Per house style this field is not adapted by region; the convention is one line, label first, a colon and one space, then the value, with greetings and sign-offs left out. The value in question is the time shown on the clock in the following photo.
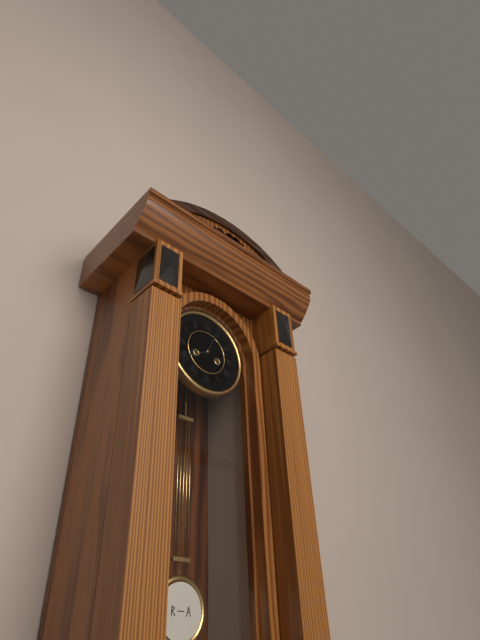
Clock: 8:04
